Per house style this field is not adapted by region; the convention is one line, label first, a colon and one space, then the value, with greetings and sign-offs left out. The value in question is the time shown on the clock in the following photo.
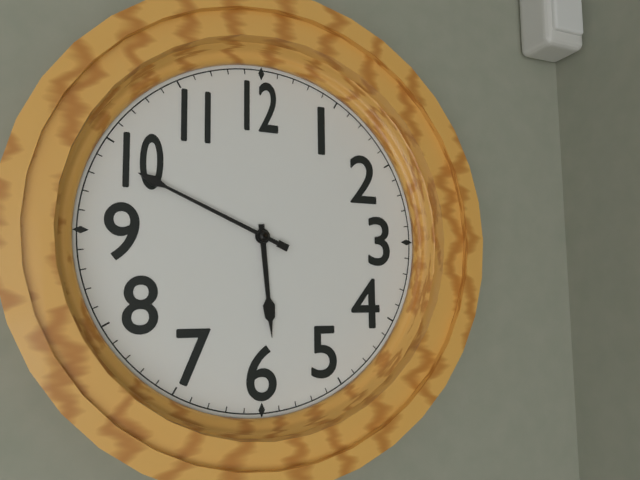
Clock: 5:49
